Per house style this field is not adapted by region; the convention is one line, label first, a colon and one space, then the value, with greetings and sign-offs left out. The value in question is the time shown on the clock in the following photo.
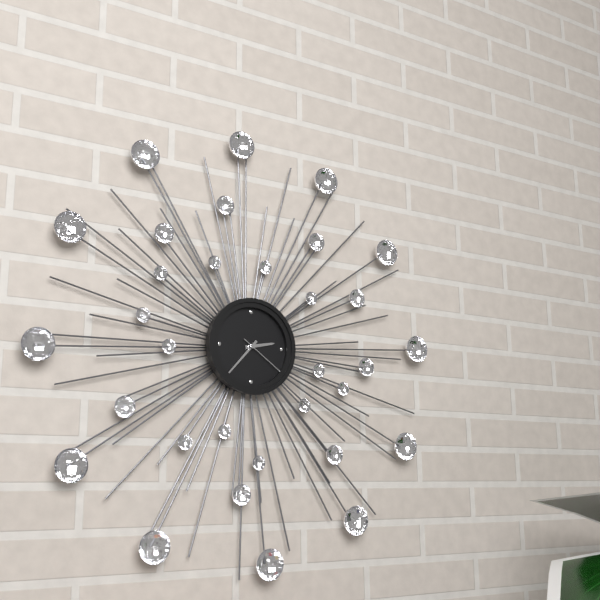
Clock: 2:37:21
